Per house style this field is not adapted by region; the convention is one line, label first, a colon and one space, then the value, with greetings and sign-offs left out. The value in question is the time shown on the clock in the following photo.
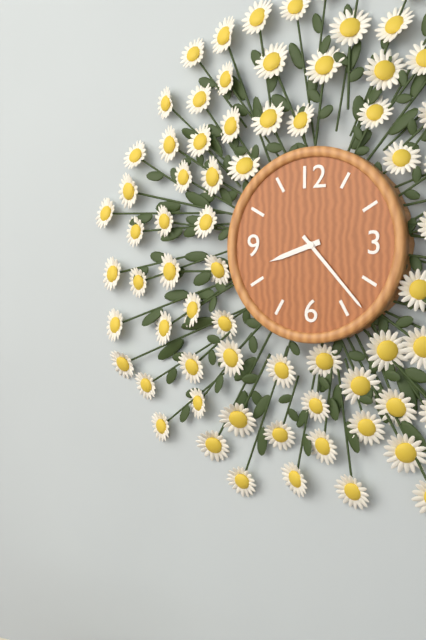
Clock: 8:23
